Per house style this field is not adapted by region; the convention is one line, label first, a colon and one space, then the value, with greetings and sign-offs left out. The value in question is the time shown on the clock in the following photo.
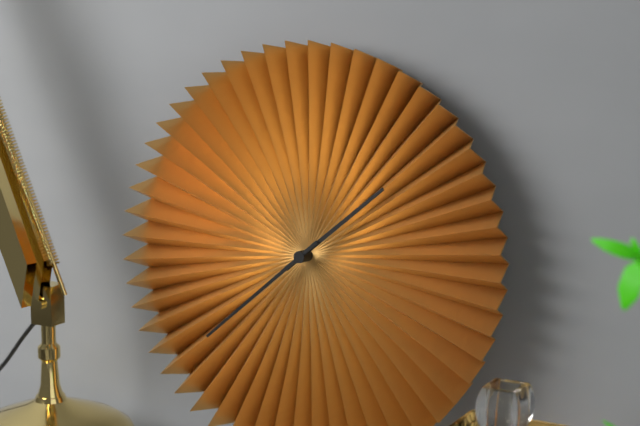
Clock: 1:38
